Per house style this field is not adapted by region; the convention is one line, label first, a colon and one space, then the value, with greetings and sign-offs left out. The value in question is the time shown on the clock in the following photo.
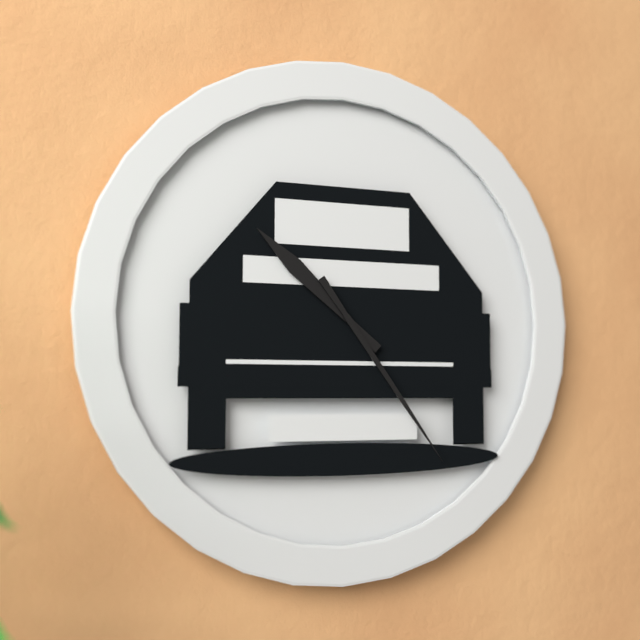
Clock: 10:24
